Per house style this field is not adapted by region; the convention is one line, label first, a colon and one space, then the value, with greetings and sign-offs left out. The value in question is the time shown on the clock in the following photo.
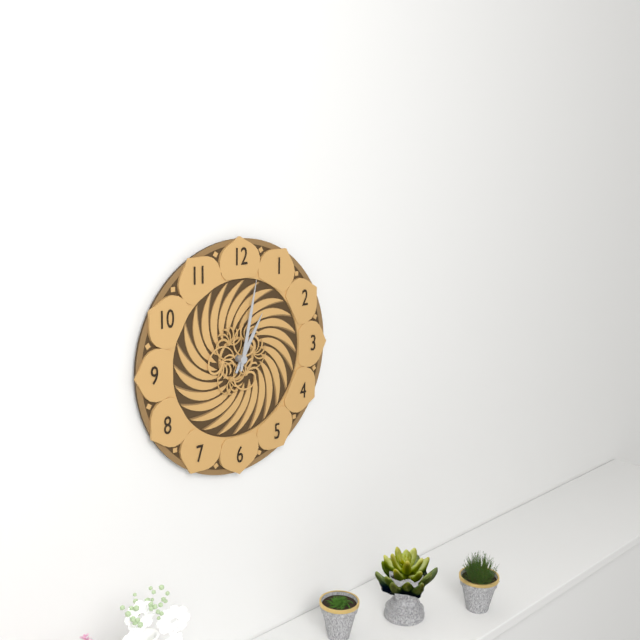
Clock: 1:02
